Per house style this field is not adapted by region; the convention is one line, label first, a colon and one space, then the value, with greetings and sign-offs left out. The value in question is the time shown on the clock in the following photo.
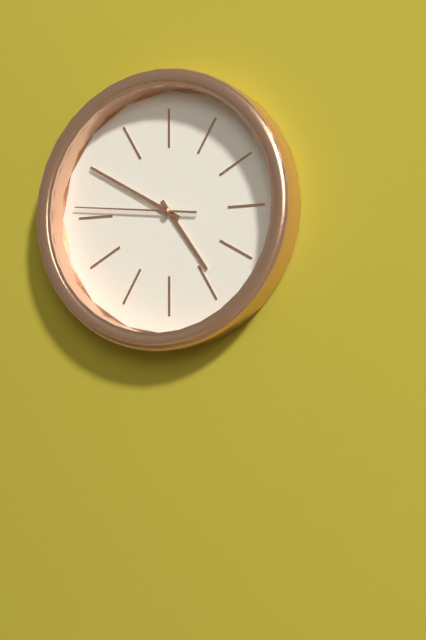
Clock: 4:50:46
